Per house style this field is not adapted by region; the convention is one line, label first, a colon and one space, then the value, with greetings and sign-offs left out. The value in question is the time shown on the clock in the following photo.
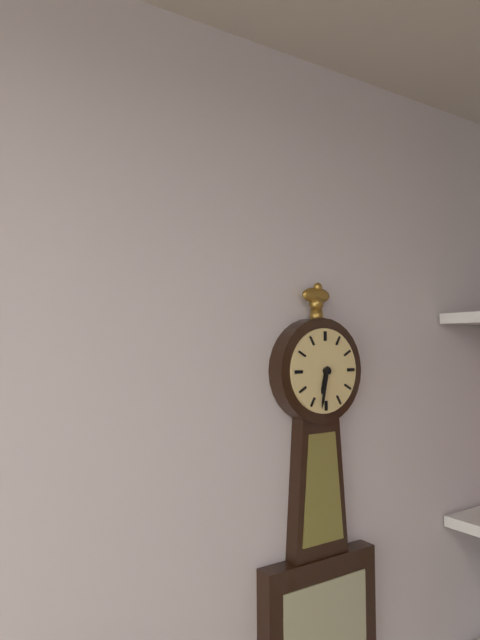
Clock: 6:32
